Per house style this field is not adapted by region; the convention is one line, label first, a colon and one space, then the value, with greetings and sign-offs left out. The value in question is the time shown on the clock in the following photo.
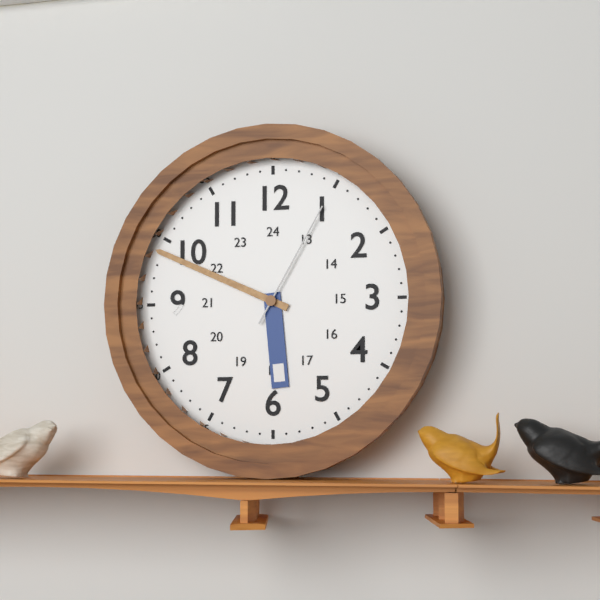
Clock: 5:49:05
